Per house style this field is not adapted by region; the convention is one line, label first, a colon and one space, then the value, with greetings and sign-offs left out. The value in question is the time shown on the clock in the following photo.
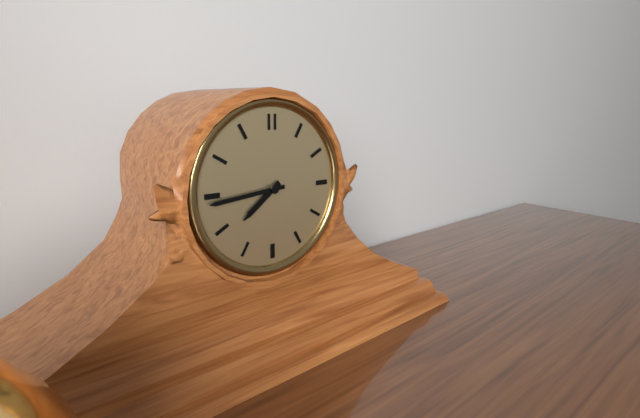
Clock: 7:44
